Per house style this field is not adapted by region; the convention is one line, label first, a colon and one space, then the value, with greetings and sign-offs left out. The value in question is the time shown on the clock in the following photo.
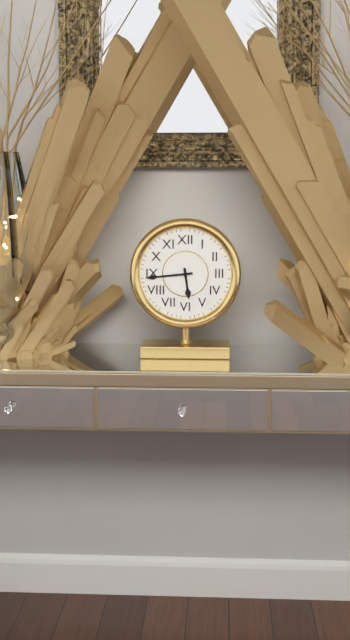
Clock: 5:44
